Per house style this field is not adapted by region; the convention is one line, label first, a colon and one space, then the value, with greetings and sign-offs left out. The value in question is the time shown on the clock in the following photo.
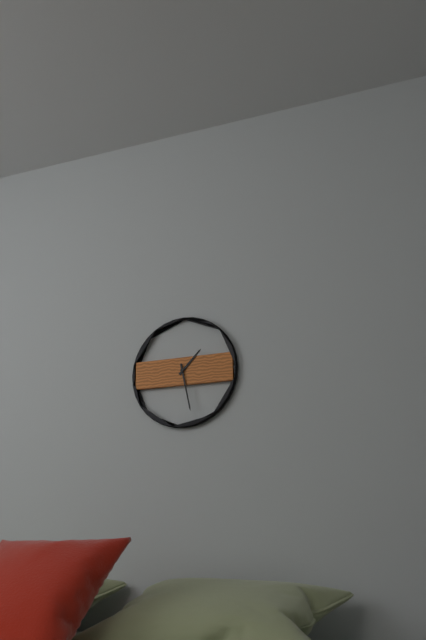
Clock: 1:28
